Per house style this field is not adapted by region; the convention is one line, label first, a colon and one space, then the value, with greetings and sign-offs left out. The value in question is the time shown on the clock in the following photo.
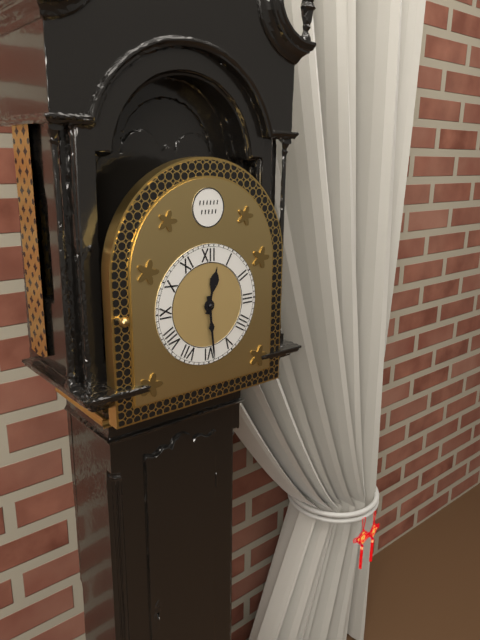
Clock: 12:29
